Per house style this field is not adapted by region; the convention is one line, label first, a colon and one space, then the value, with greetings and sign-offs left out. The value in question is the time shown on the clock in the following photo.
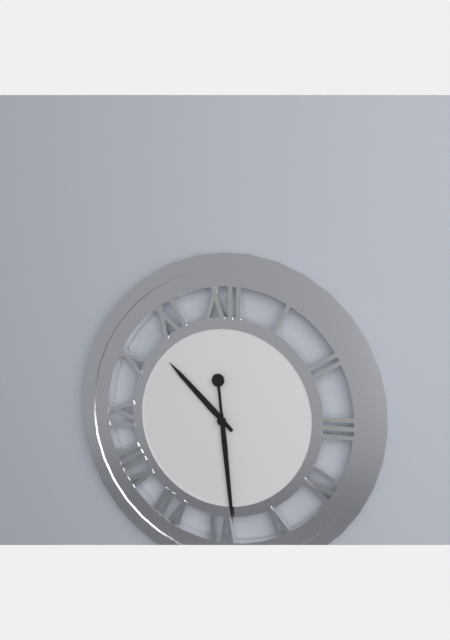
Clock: 10:29
